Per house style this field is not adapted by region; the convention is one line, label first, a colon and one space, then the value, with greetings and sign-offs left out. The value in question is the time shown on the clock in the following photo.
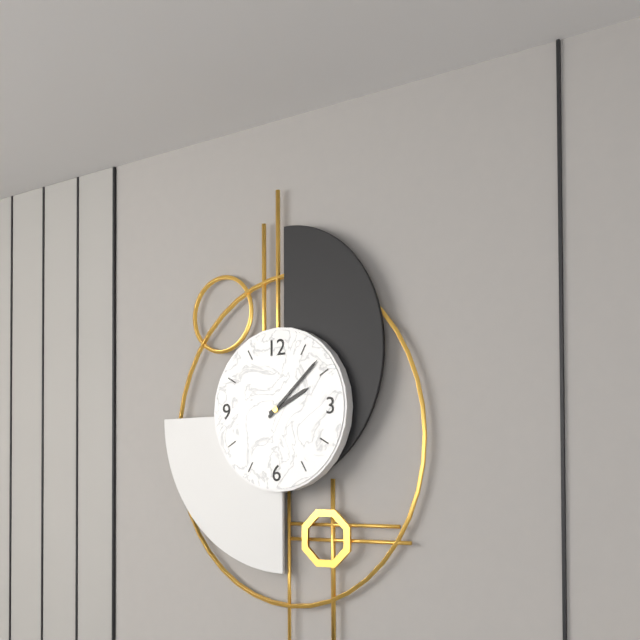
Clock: 2:08
